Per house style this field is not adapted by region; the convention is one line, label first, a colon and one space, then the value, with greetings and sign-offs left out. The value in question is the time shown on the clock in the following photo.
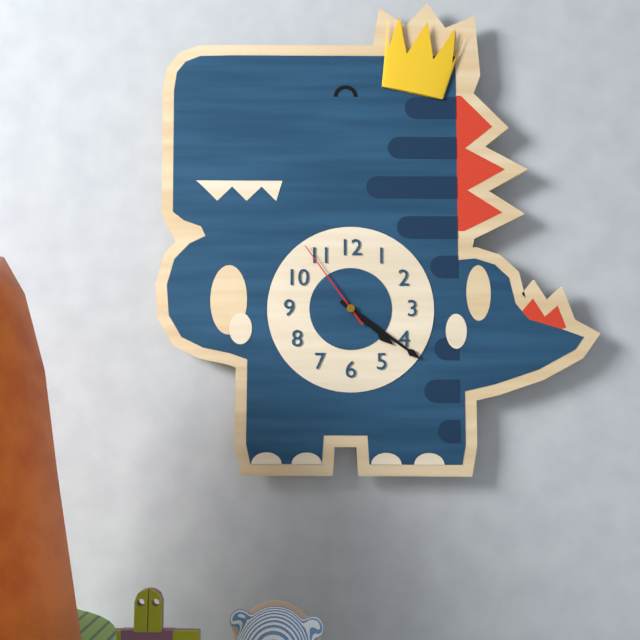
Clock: 4:21:54
